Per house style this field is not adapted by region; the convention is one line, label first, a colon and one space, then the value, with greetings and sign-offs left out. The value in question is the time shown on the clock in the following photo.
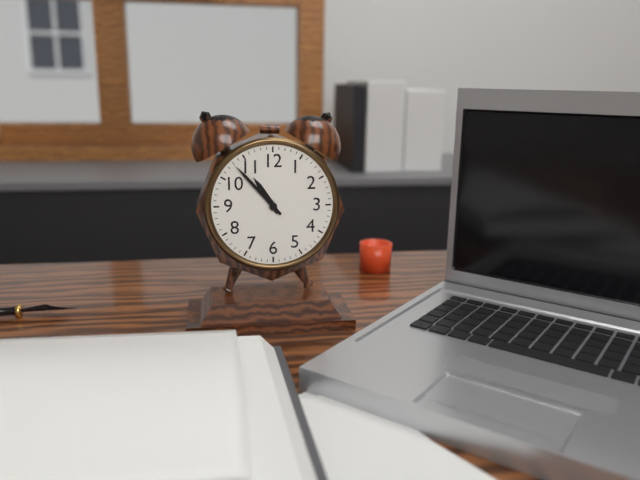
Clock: 10:53
